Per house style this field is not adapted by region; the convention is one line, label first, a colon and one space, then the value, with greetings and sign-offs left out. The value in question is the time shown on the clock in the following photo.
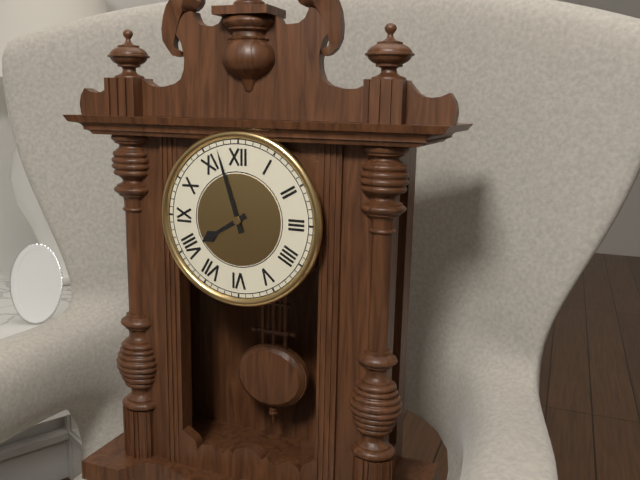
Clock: 7:57
